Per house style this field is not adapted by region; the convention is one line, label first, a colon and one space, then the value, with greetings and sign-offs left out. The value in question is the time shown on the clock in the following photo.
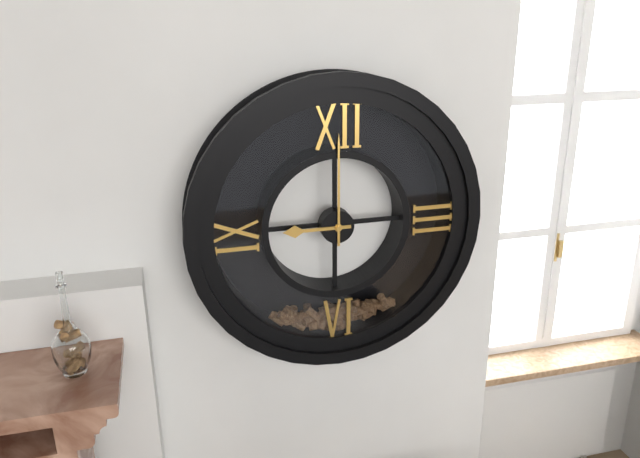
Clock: 9:00
